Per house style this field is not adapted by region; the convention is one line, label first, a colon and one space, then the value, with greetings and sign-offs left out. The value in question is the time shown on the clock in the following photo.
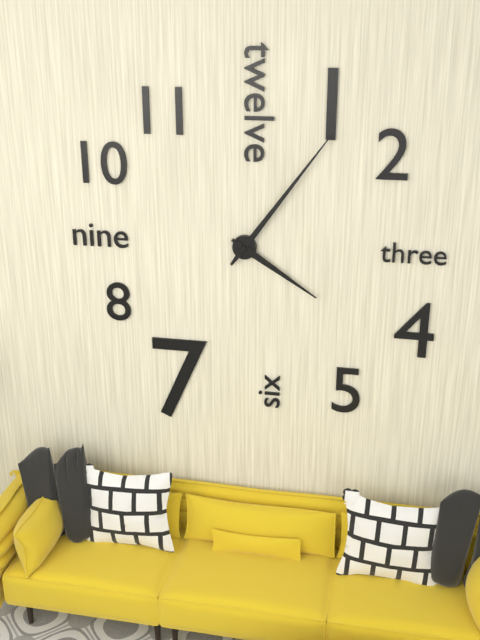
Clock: 4:06
